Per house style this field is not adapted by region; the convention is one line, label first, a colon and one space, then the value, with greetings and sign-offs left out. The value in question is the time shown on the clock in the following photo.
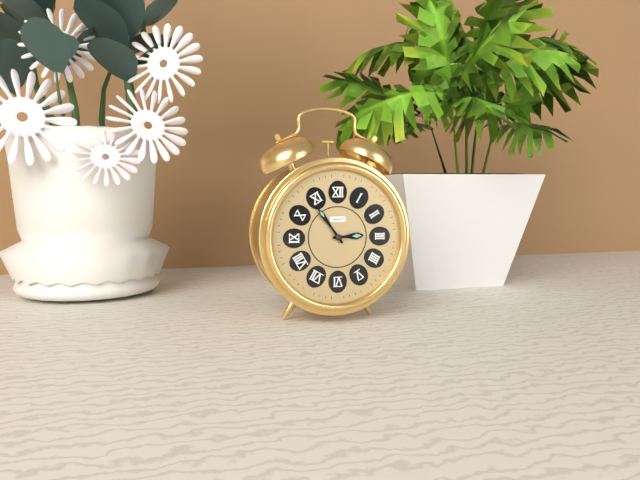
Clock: 2:54
